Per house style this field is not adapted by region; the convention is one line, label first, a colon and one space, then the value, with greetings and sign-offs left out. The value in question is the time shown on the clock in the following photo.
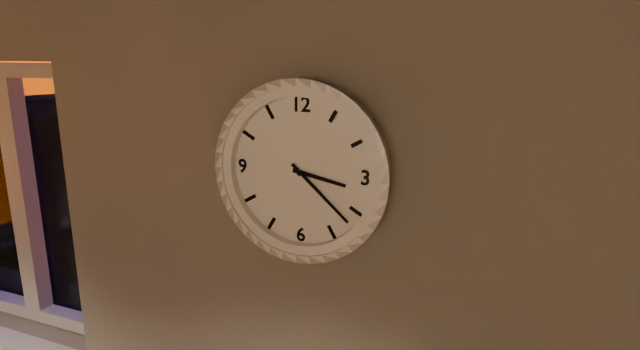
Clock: 3:22
